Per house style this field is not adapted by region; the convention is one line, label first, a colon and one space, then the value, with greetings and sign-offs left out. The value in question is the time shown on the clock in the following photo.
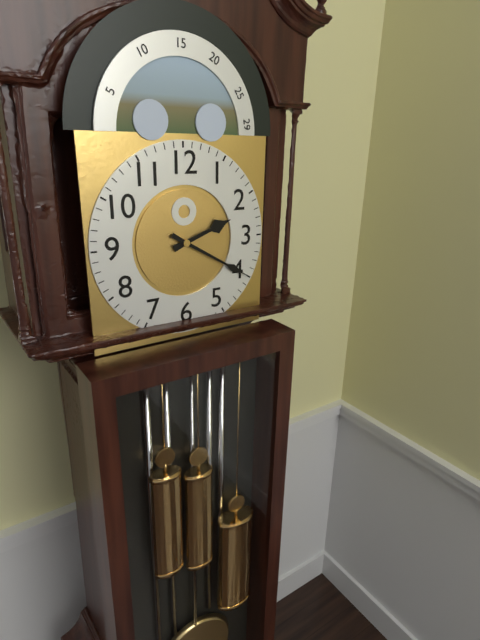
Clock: 2:20
